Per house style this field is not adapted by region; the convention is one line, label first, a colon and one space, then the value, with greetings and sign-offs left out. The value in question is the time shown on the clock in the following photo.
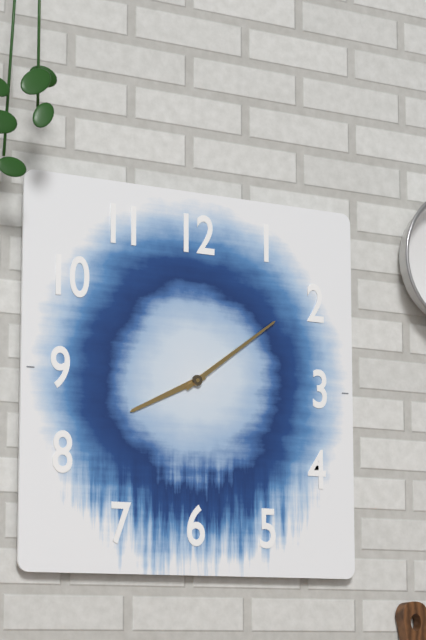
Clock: 8:09
